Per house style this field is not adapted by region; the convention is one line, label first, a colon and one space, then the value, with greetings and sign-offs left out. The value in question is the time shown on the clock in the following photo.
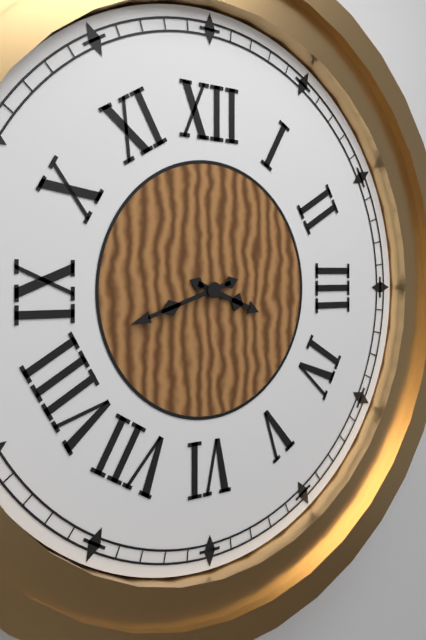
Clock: 3:42
